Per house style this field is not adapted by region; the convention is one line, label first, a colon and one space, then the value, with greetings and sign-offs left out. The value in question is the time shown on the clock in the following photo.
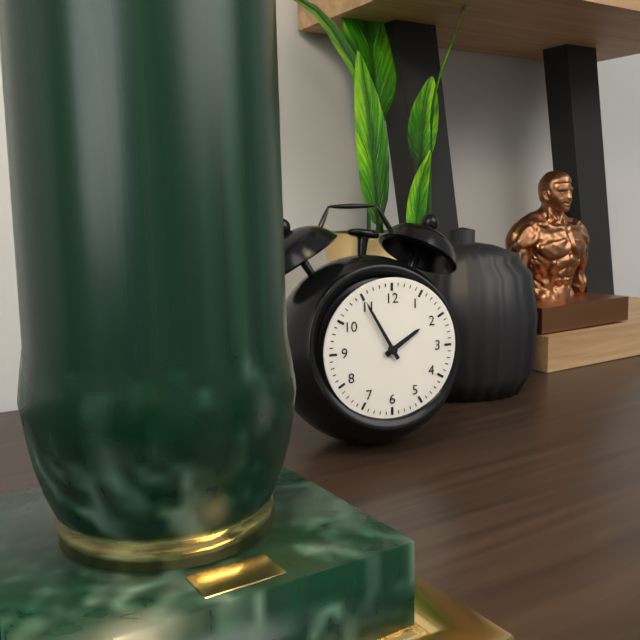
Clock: 1:55
